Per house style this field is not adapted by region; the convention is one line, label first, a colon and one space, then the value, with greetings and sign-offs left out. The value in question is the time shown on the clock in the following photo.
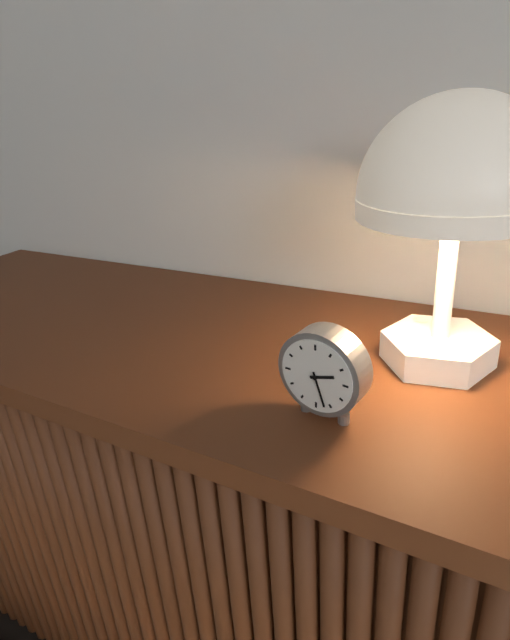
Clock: 2:27
